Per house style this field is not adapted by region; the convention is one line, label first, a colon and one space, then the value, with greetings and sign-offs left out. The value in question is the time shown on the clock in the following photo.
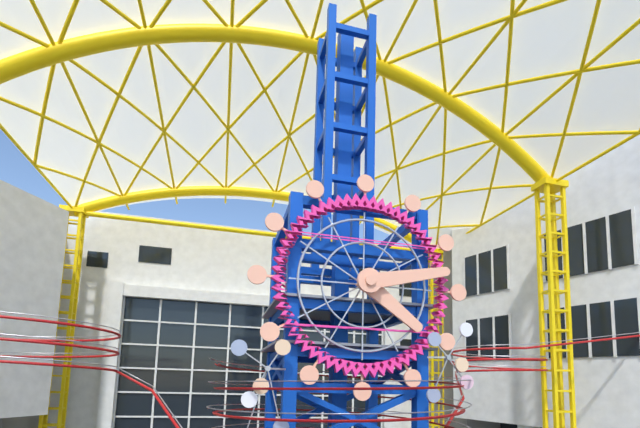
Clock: 4:13
